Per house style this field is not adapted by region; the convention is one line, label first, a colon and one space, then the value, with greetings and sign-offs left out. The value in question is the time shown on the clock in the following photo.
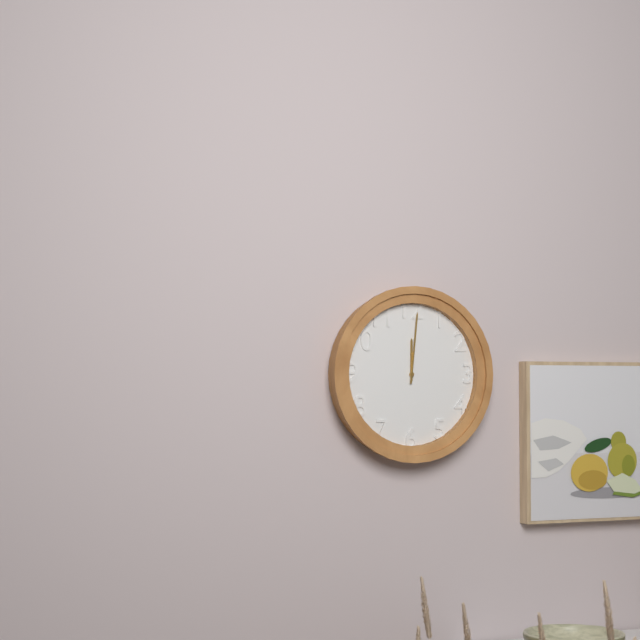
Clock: 12:01
